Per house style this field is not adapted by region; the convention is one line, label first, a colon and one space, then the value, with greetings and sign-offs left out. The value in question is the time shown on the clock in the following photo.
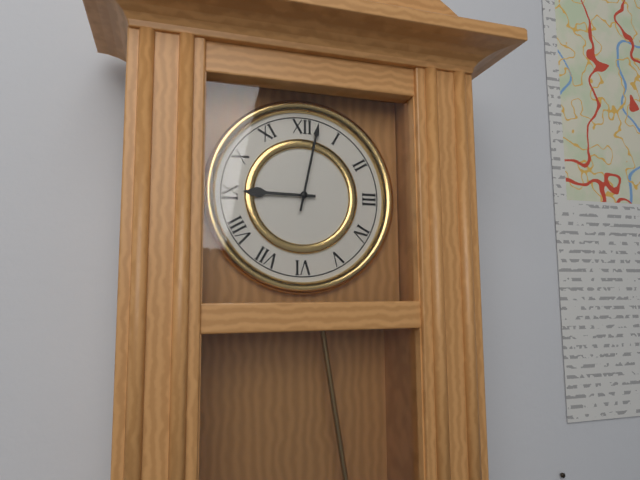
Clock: 9:02
